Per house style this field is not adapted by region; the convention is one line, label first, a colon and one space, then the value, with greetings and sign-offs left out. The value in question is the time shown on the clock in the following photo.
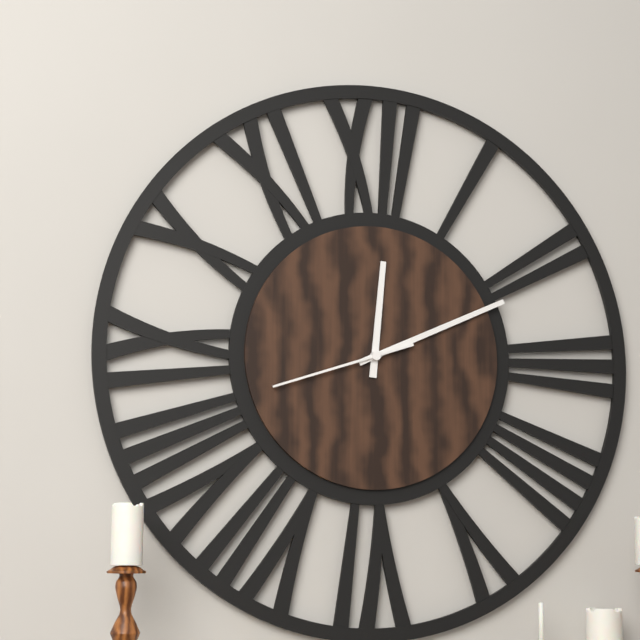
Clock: 12:11:42
